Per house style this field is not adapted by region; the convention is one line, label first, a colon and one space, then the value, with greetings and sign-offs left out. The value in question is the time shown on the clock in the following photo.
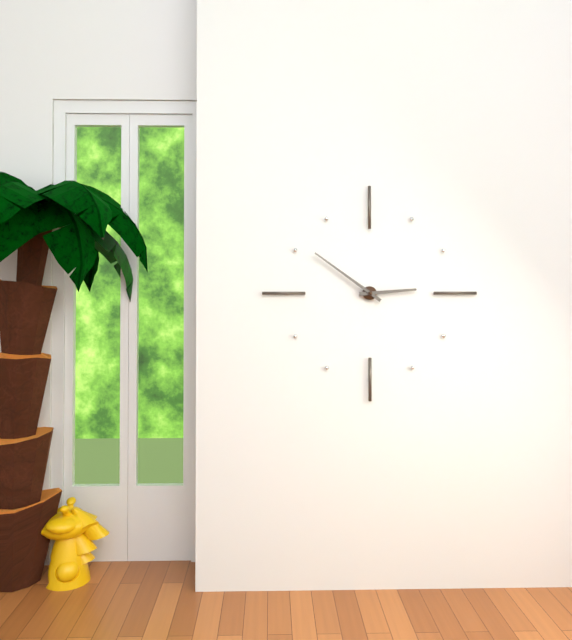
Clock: 2:51
